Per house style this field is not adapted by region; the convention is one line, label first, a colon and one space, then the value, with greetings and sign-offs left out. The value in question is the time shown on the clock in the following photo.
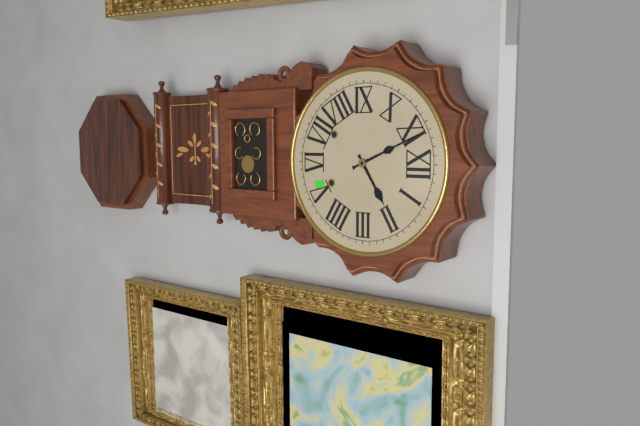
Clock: 1:56
